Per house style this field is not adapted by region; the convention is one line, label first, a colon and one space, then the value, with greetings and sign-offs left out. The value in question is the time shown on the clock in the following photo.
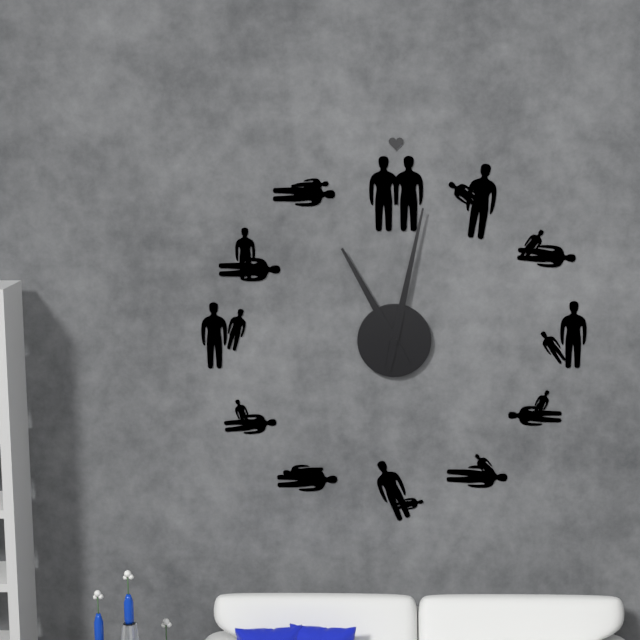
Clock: 11:02
